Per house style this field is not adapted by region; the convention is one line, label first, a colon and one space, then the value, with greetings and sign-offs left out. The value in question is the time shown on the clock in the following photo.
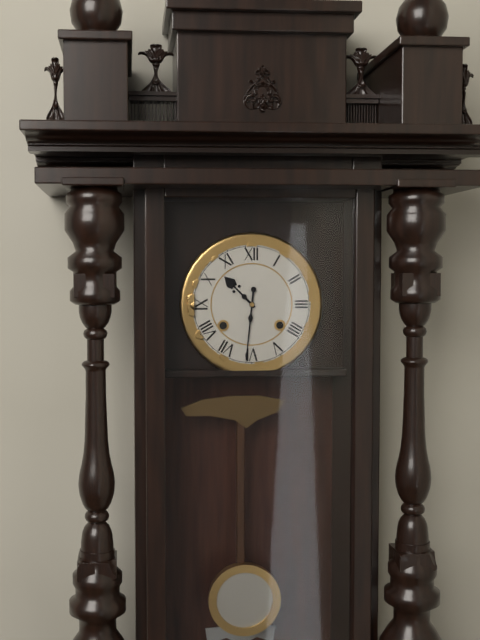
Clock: 10:31
